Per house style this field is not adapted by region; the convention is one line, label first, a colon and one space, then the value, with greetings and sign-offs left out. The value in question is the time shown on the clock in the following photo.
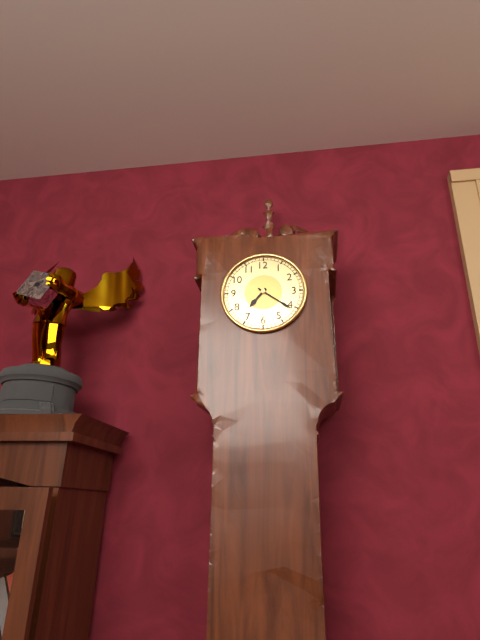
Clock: 7:21
